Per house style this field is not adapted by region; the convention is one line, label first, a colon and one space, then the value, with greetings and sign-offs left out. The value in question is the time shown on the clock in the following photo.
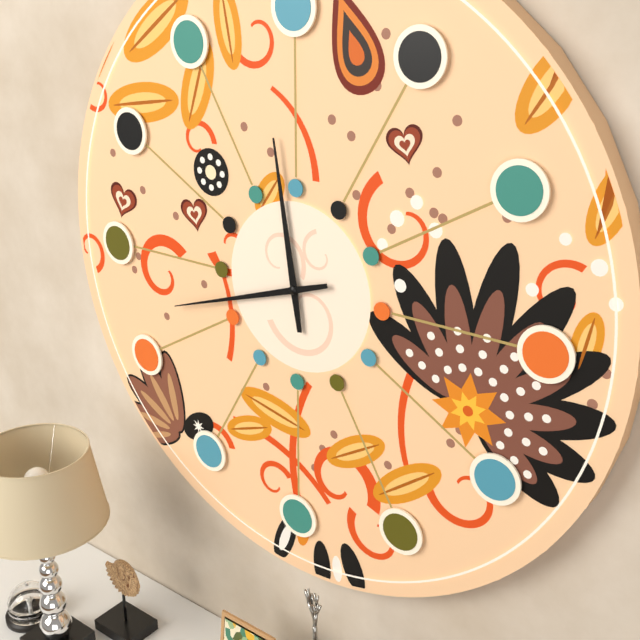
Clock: 11:42
